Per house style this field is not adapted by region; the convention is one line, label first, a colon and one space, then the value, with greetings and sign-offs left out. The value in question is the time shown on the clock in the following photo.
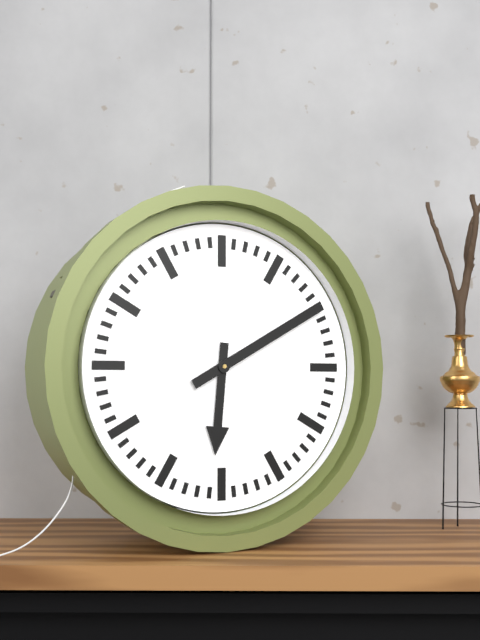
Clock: 6:10
